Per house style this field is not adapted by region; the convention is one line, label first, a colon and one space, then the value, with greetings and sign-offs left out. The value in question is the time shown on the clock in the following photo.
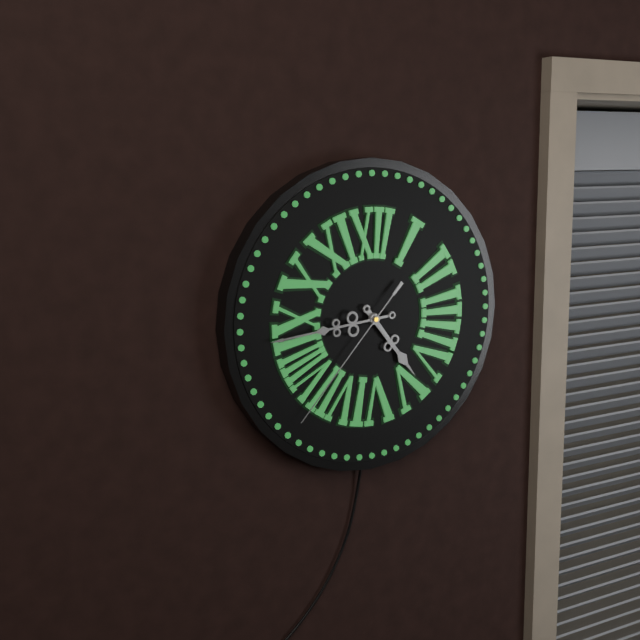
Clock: 4:44:37
